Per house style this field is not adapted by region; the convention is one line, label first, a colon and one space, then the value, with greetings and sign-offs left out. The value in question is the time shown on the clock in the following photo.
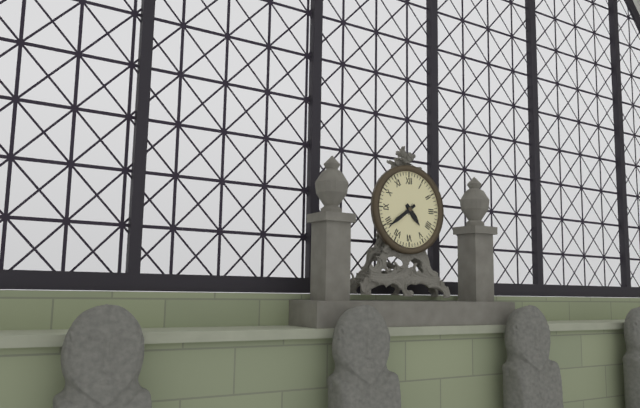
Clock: 4:39
